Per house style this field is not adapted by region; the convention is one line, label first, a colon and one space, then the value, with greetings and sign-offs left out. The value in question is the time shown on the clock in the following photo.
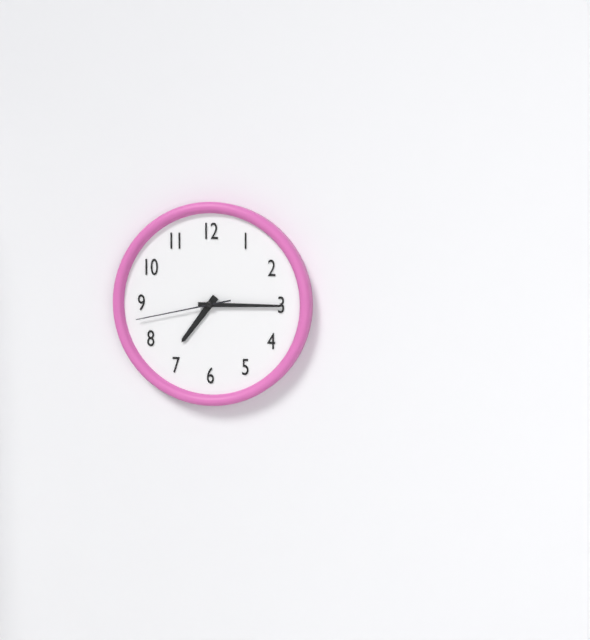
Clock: 7:15:43
